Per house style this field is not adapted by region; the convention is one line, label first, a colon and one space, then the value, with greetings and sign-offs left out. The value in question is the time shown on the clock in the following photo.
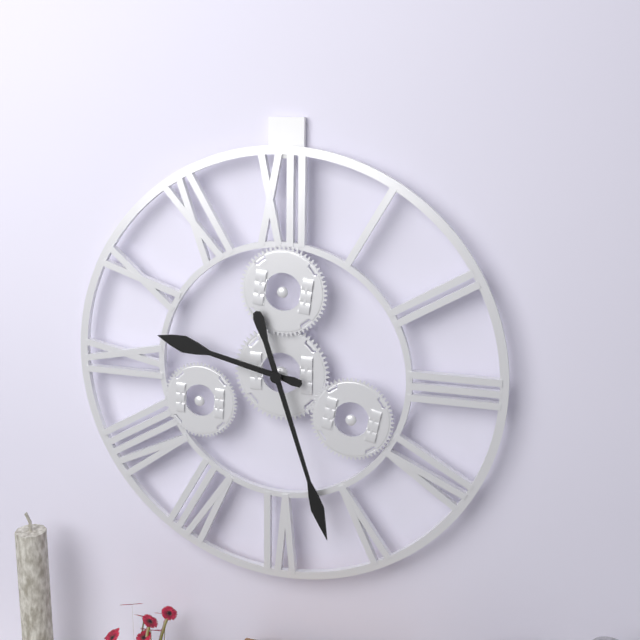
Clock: 9:27
